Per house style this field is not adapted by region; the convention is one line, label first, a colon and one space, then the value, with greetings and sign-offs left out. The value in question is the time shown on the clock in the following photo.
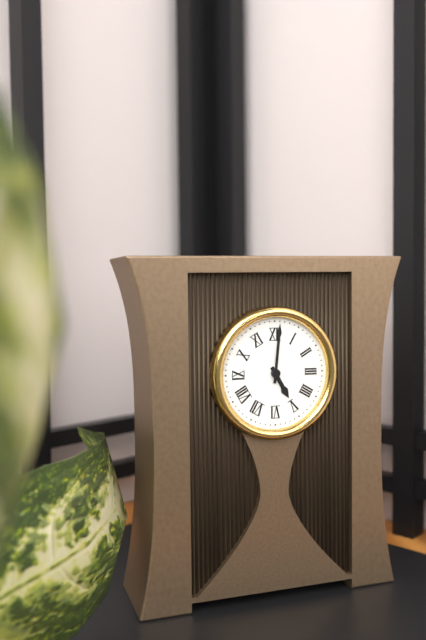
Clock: 5:01
